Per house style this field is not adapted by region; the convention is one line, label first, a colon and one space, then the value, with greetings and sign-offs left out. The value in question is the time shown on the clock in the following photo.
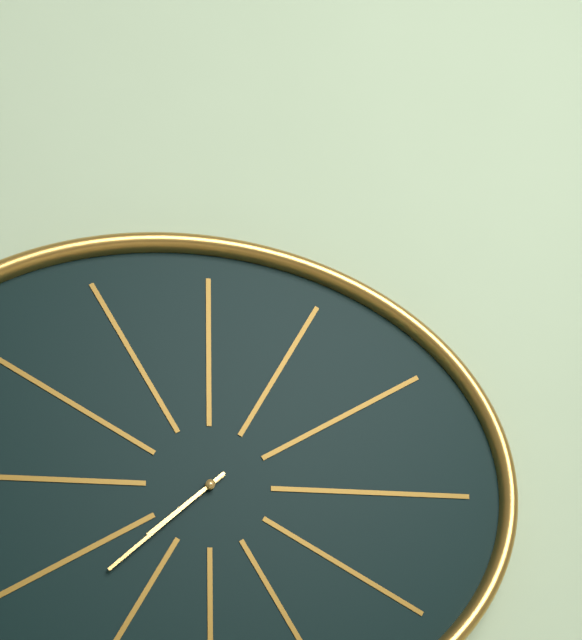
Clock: 7:38
